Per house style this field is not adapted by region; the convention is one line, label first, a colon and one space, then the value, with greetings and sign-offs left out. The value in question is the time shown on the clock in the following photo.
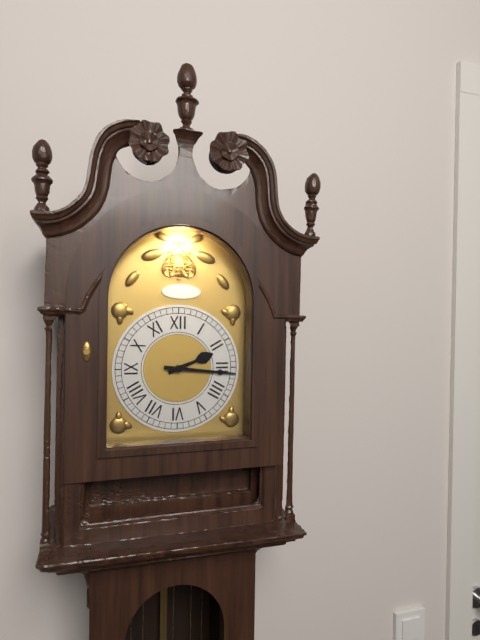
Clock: 2:16
